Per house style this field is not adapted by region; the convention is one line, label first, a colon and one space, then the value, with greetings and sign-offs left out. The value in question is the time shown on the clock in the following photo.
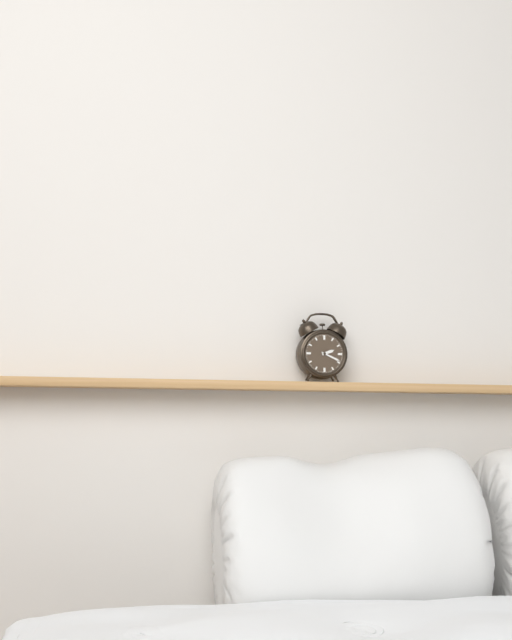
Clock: 2:19
